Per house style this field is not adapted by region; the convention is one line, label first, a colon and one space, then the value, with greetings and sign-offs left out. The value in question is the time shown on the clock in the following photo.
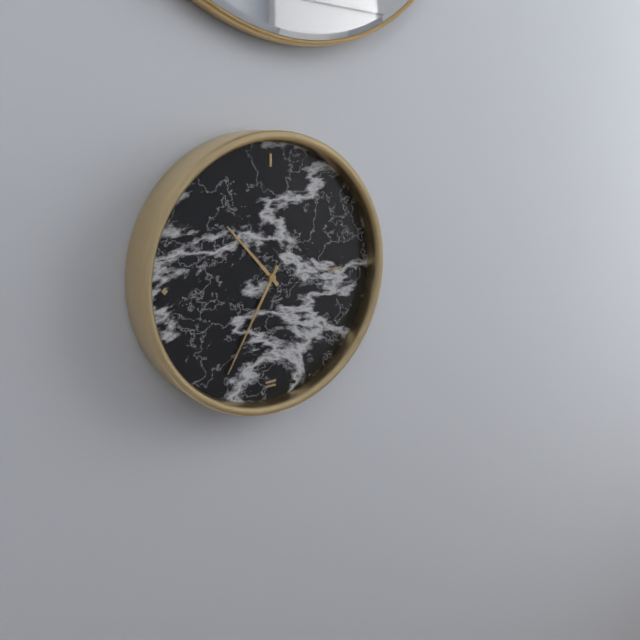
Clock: 10:35
